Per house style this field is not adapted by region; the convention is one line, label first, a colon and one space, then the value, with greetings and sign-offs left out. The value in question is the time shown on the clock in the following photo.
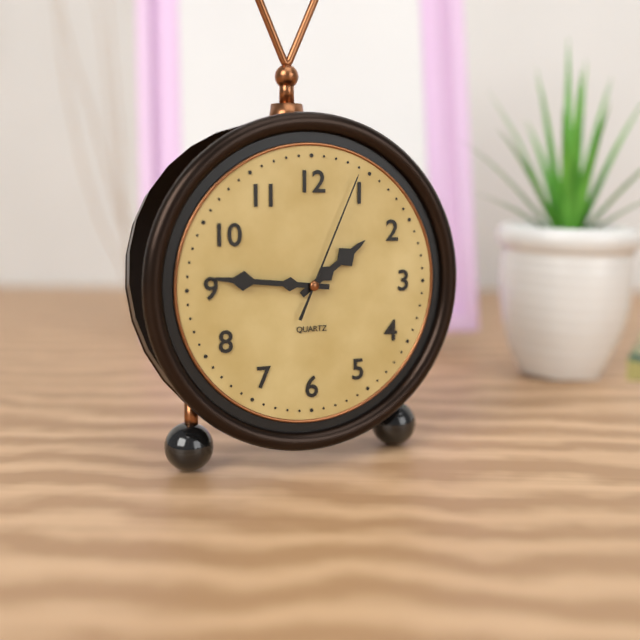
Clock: 1:46:04
